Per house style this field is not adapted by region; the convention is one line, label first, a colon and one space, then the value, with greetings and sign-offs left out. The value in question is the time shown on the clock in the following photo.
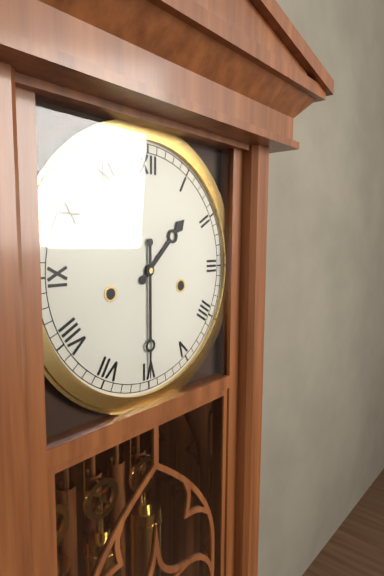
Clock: 1:30
